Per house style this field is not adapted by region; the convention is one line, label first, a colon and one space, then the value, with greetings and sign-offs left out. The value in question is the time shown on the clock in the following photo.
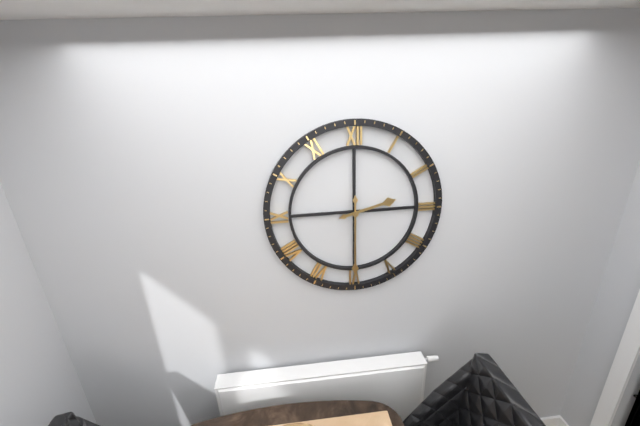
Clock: 2:30
